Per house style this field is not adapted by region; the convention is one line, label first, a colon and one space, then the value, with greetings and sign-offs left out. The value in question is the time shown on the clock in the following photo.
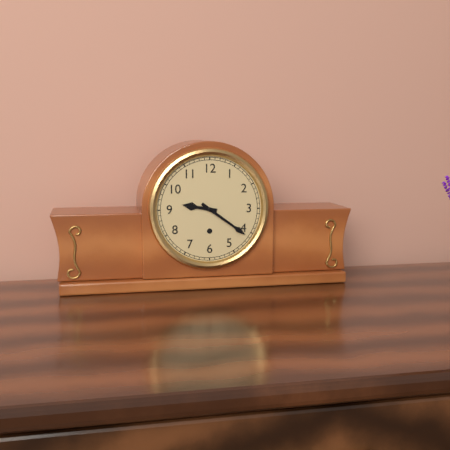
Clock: 9:21
